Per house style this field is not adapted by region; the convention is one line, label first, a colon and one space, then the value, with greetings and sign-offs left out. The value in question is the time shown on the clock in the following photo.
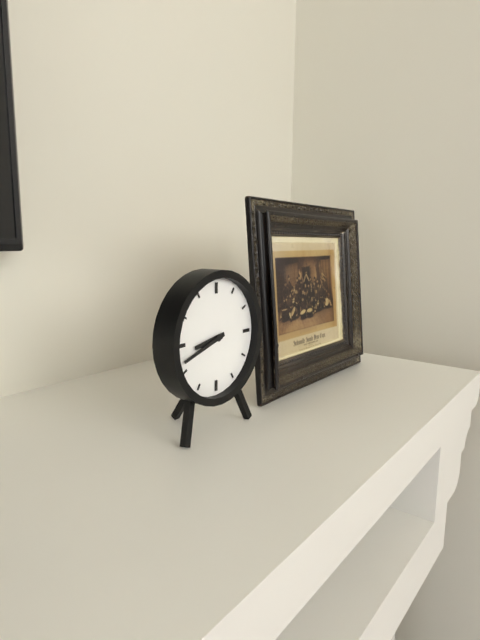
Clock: 8:42
